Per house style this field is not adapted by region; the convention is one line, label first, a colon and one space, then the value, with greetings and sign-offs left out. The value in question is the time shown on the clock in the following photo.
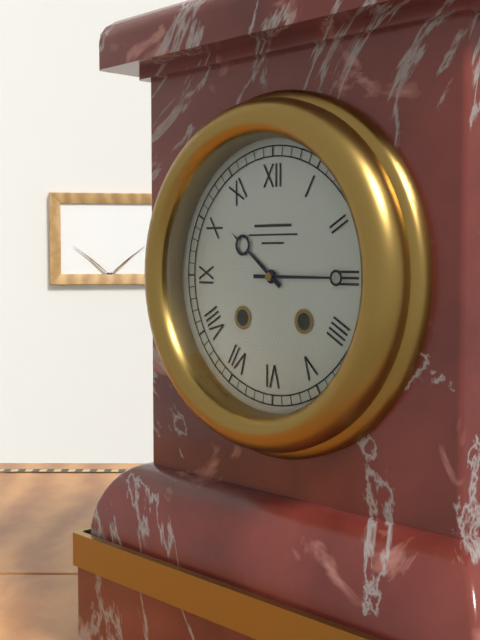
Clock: 10:15
